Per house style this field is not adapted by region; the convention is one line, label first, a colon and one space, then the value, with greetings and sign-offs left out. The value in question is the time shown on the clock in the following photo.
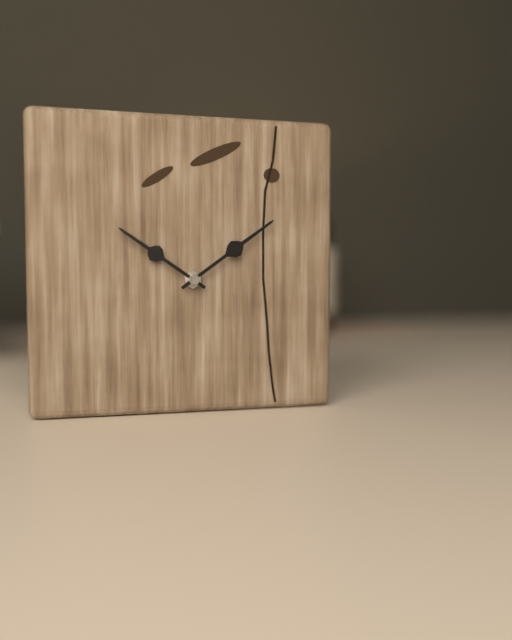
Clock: 10:09
